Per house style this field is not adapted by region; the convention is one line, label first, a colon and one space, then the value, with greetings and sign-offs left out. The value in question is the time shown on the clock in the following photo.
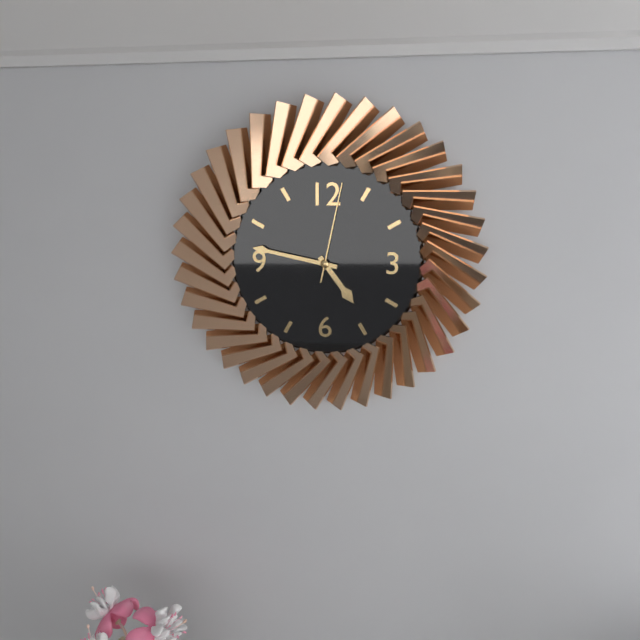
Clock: 4:47:02
